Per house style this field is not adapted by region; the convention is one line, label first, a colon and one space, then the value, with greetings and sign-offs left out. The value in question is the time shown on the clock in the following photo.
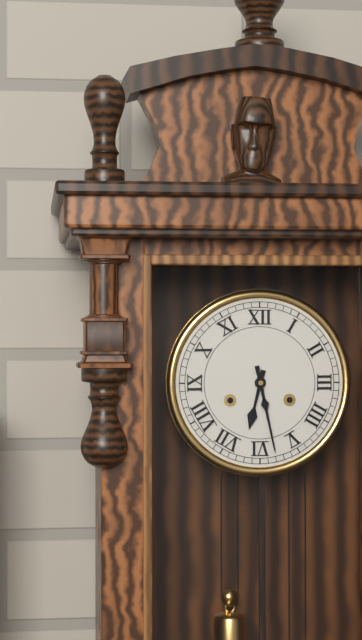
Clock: 6:28
